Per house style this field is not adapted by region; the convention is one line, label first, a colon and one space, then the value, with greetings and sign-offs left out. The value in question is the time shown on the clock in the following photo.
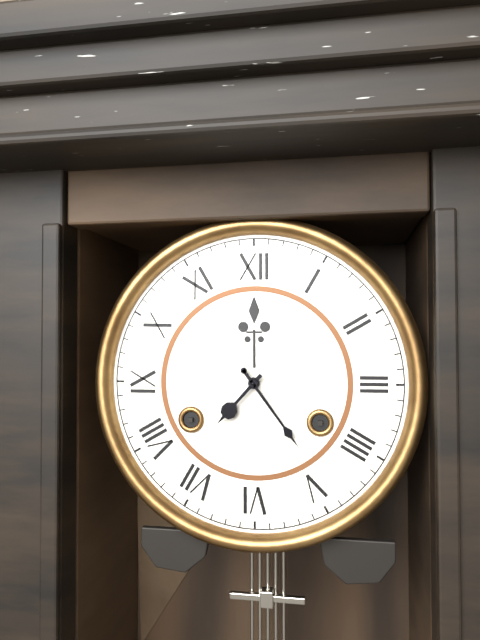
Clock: 7:24
